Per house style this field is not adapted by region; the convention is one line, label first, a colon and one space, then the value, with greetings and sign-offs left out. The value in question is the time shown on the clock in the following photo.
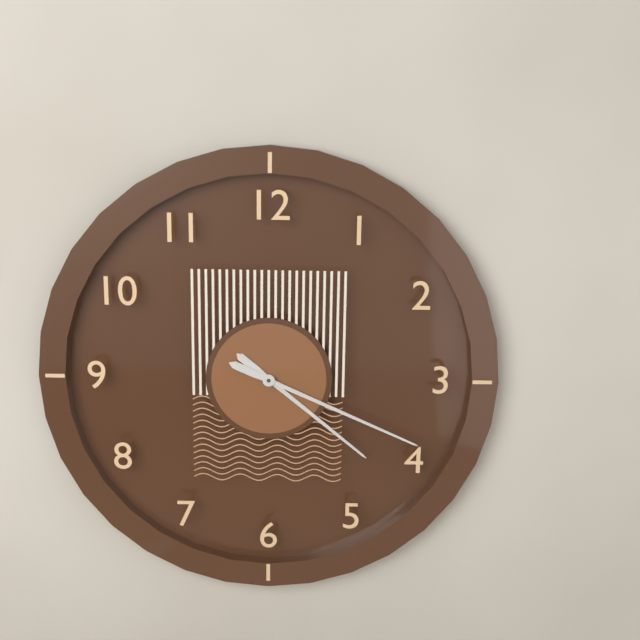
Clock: 4:19
